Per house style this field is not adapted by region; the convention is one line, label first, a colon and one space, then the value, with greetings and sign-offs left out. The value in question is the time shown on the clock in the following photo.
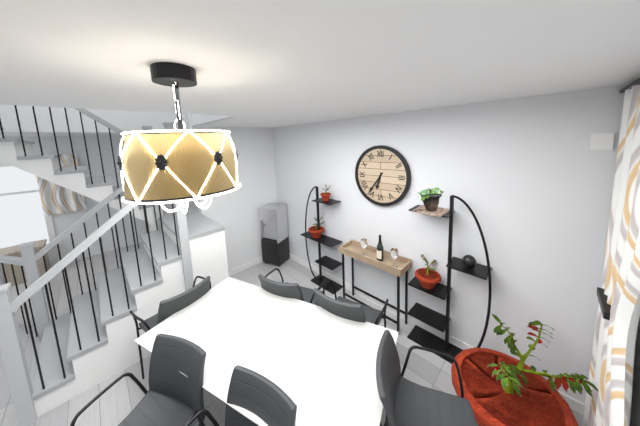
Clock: 6:36
